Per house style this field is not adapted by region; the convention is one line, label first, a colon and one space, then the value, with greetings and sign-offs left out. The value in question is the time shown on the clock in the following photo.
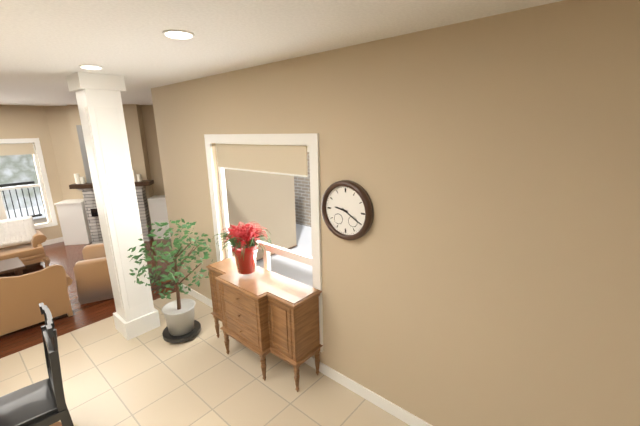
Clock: 9:20
